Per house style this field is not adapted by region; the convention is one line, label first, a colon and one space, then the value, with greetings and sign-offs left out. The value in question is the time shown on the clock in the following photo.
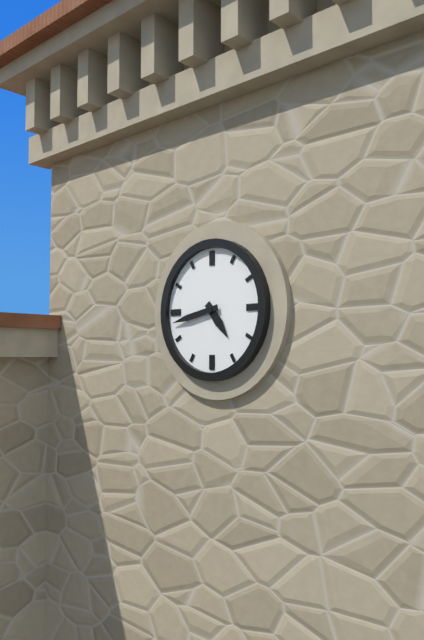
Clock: 4:43
